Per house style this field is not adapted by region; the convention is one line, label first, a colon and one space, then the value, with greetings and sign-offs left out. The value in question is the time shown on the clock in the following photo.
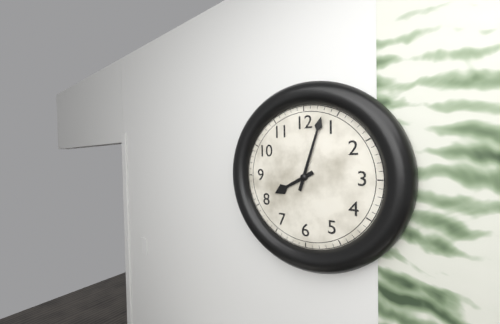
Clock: 8:03
